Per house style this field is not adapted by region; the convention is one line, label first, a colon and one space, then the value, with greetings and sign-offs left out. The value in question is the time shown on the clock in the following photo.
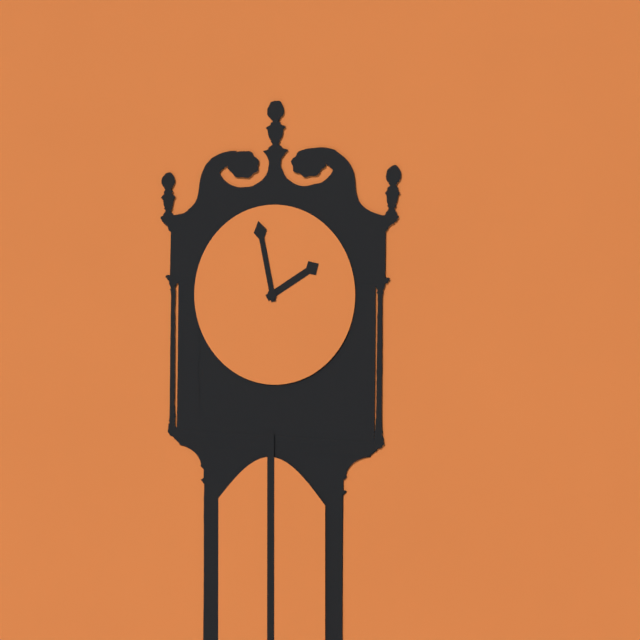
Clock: 1:58
